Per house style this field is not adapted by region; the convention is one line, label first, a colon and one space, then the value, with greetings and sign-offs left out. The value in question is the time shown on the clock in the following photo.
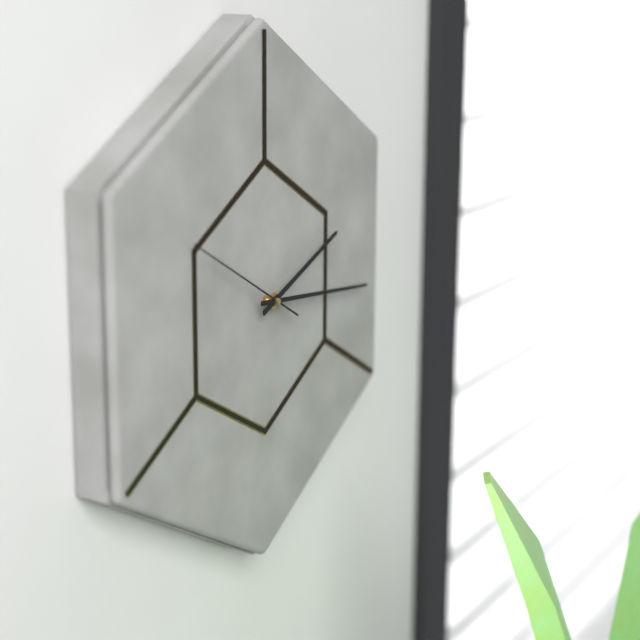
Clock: 2:16:50
